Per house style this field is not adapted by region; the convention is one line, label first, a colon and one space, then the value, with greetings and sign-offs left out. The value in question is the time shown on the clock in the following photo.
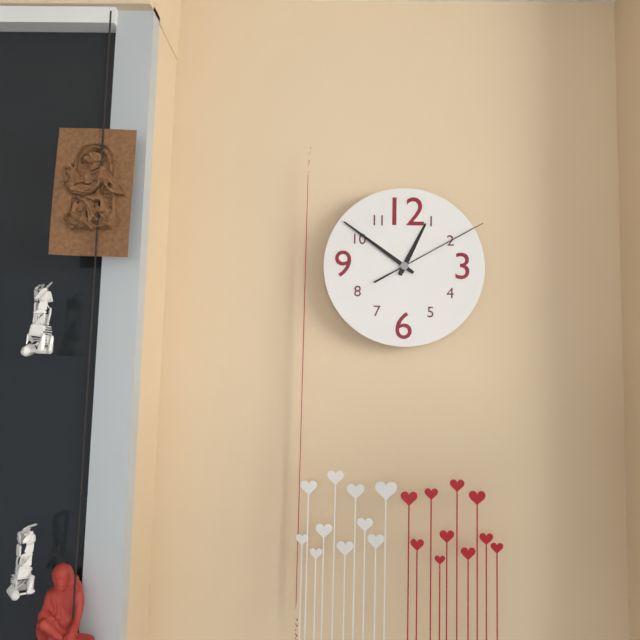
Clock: 12:51:10
